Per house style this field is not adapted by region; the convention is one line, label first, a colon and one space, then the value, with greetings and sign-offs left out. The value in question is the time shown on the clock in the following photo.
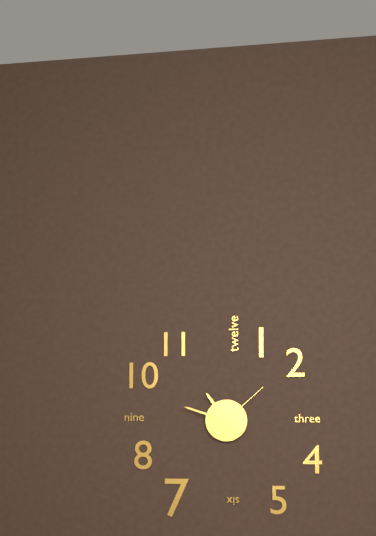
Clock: 10:48:08
